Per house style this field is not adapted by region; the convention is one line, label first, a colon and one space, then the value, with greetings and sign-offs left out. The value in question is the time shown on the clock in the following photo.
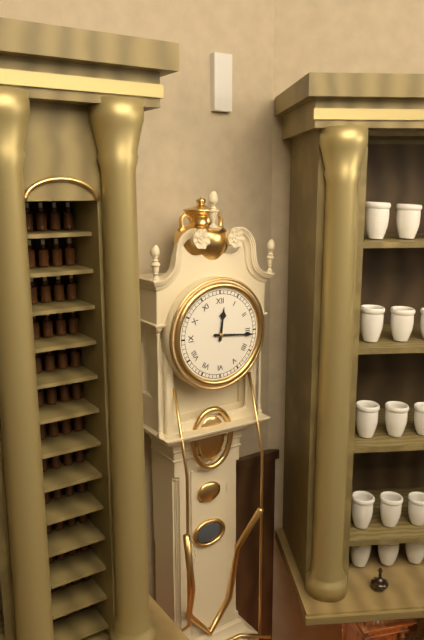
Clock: 12:16
